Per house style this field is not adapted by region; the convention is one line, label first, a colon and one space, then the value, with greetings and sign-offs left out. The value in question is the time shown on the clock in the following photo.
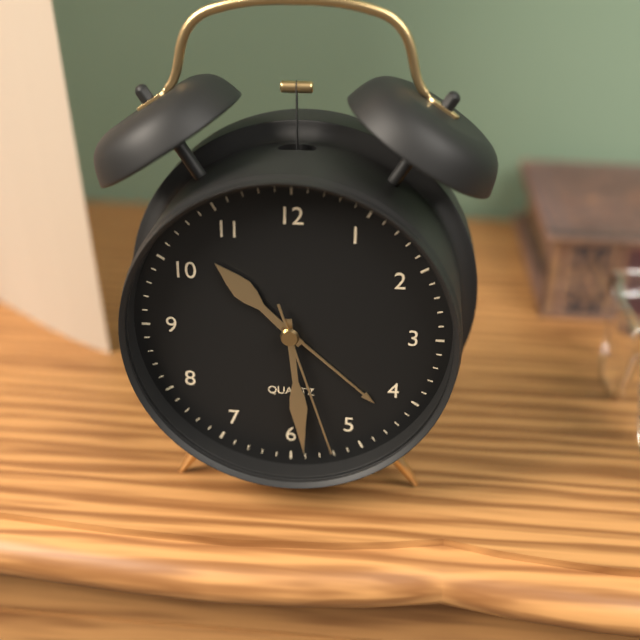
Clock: 10:29:27
